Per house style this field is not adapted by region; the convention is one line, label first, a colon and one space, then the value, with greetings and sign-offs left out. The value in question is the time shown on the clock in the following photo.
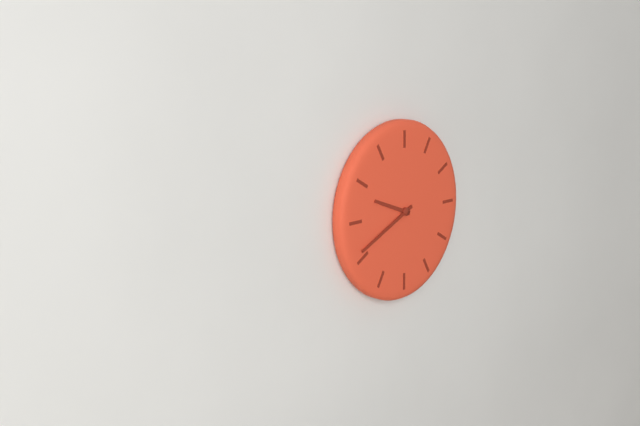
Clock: 9:41
